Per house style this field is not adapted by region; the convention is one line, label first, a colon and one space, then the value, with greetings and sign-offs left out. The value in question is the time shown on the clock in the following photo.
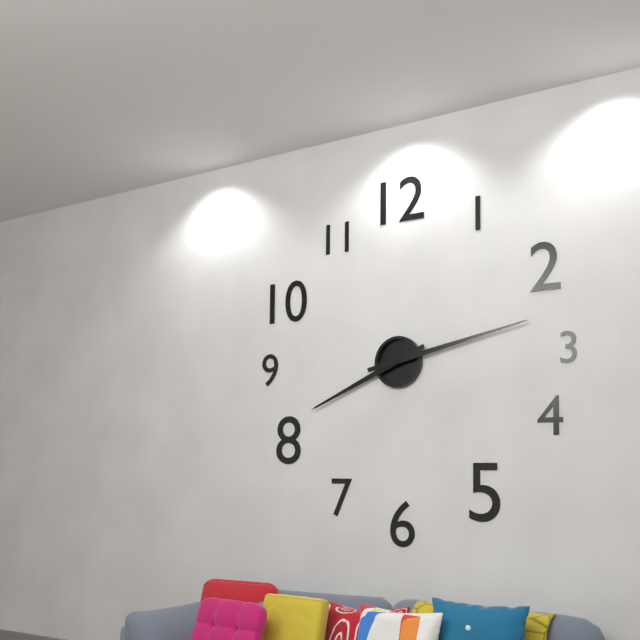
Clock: 8:13
